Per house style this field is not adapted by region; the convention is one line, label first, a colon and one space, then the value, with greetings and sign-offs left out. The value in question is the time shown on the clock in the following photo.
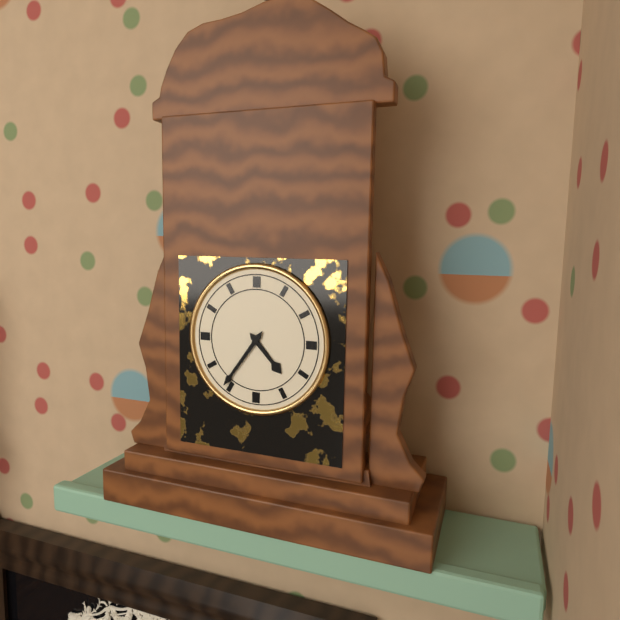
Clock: 4:36
